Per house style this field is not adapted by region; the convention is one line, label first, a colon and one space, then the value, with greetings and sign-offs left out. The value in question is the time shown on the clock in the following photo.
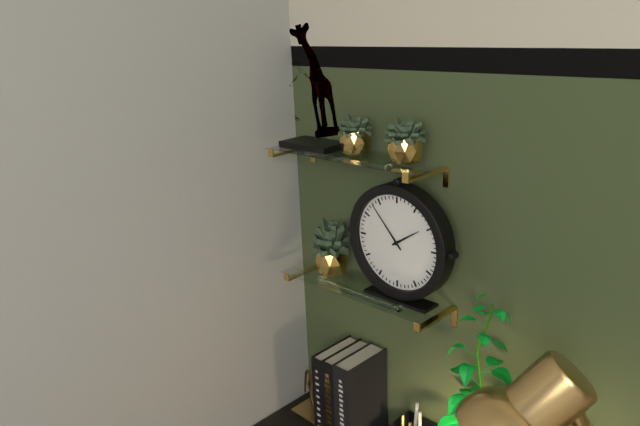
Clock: 1:53
